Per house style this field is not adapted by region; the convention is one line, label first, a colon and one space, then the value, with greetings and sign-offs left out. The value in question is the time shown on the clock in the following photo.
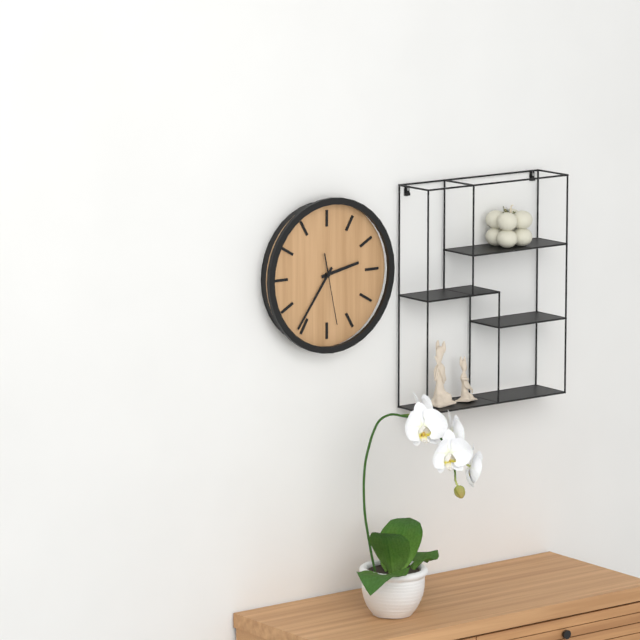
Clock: 2:36:28
